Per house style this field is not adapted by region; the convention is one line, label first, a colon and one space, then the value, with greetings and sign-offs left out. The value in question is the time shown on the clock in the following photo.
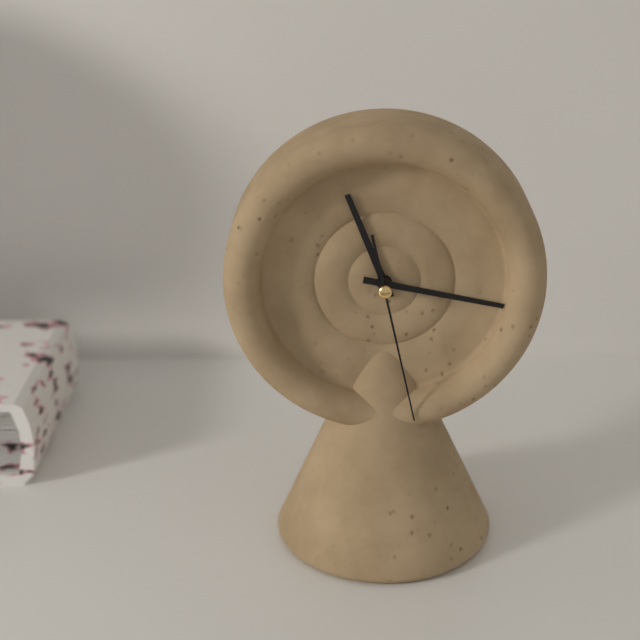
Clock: 11:17:28
